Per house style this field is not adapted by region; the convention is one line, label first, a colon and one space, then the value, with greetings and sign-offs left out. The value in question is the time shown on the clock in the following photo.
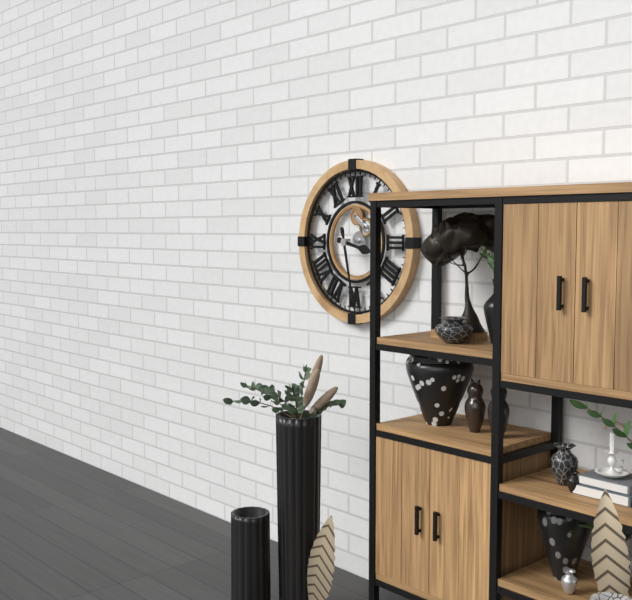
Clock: 3:28
